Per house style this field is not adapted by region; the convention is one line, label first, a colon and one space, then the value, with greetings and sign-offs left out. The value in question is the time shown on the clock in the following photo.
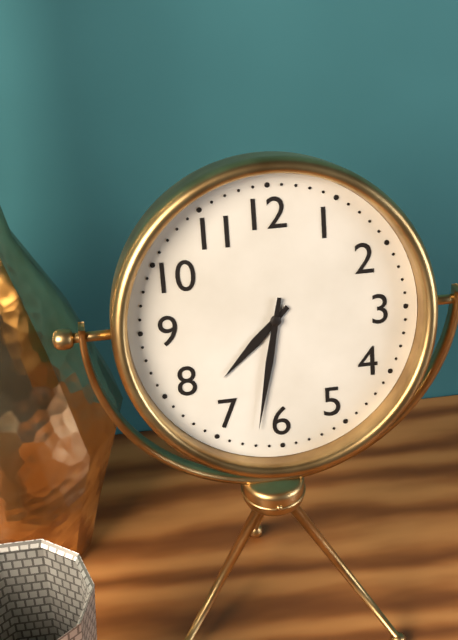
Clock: 7:32
